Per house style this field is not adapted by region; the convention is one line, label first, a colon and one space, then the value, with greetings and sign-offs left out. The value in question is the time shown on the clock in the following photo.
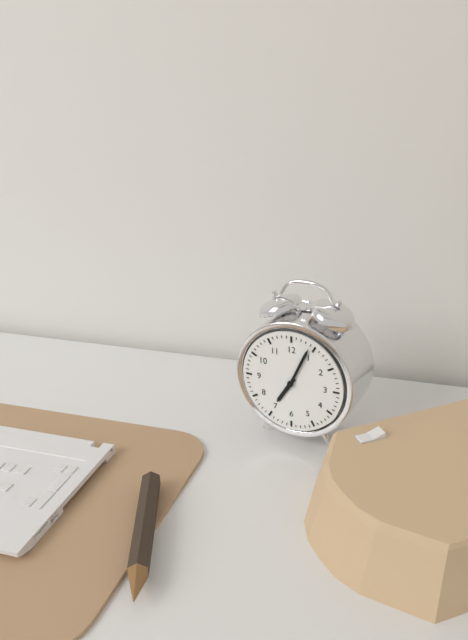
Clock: 7:04
